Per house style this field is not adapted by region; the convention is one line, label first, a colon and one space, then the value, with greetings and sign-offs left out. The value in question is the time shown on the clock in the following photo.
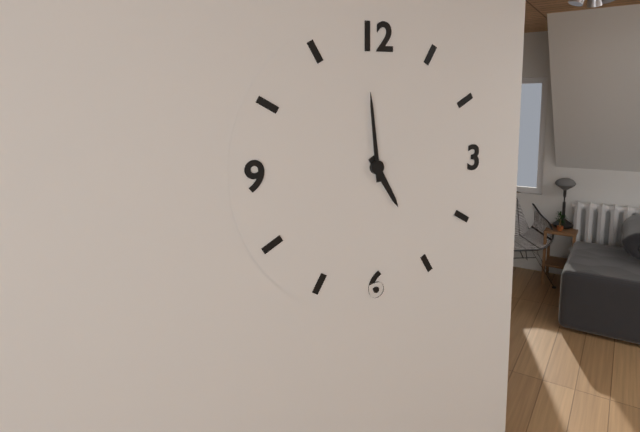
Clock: 4:59
